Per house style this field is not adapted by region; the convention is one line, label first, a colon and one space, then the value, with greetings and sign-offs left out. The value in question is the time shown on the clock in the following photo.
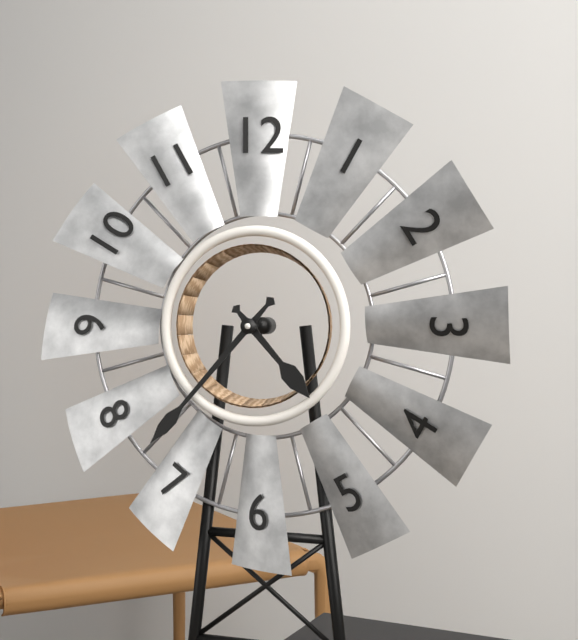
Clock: 4:37
